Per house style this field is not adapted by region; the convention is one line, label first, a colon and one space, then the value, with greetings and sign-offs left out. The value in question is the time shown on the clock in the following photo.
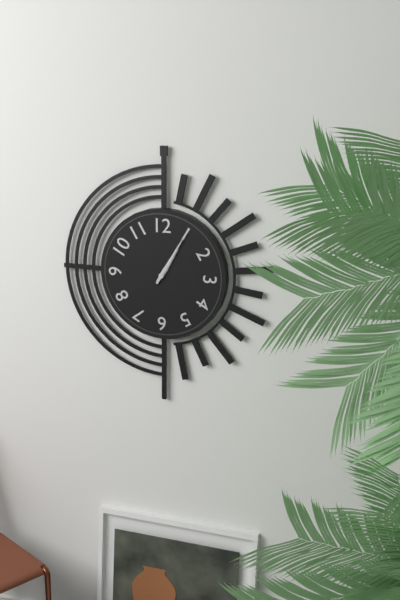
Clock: 1:05
